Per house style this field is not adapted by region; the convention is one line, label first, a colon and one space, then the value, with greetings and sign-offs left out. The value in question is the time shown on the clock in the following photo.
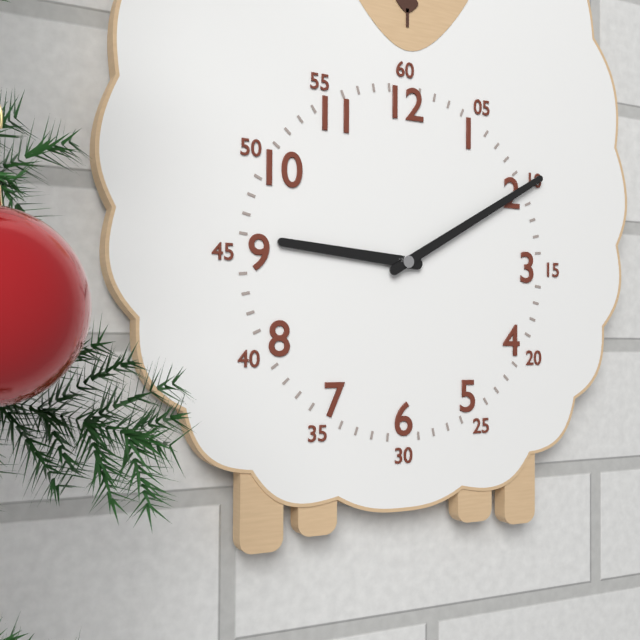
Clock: 9:10
